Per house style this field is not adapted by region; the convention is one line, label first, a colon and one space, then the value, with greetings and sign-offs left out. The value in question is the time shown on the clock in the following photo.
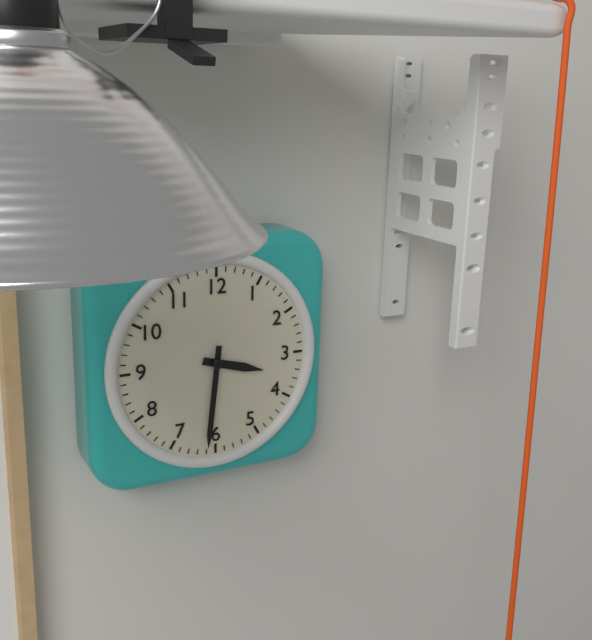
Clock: 3:31
